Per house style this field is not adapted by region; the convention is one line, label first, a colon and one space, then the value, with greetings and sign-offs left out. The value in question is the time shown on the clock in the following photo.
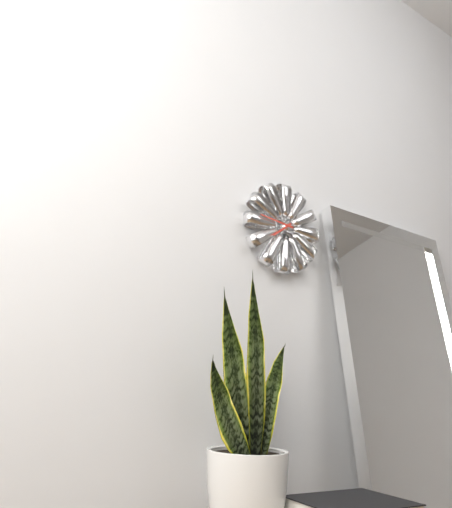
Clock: 7:46
